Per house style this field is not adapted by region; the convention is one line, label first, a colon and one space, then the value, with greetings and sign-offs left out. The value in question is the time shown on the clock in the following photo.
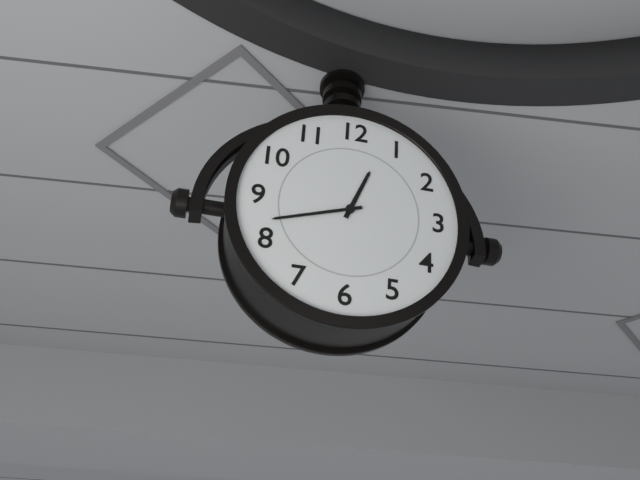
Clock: 12:42
